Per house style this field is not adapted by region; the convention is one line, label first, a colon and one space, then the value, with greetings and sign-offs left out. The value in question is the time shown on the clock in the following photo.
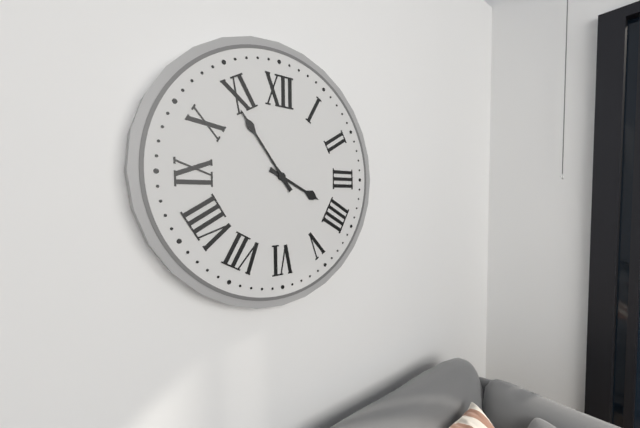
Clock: 3:54
